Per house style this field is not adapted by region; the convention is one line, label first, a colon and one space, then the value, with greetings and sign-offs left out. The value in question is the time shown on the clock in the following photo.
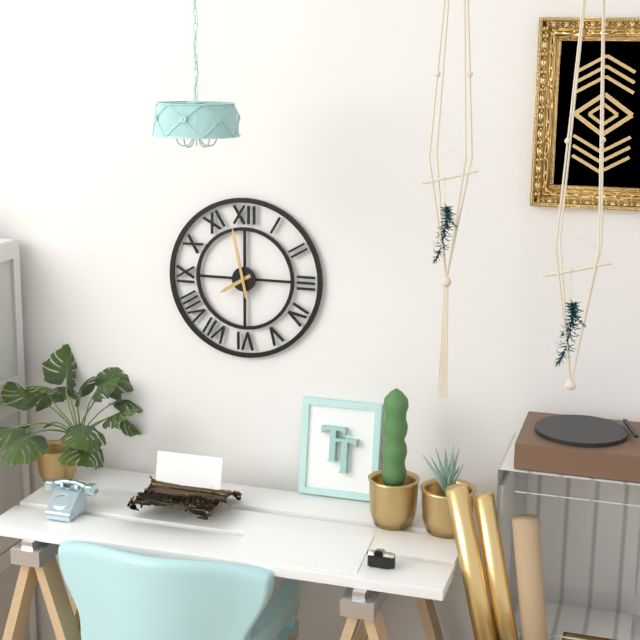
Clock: 7:58
